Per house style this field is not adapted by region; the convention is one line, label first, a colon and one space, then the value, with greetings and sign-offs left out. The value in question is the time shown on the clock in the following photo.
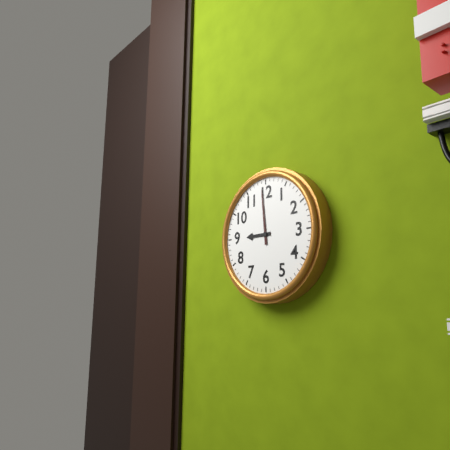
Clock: 8:59
